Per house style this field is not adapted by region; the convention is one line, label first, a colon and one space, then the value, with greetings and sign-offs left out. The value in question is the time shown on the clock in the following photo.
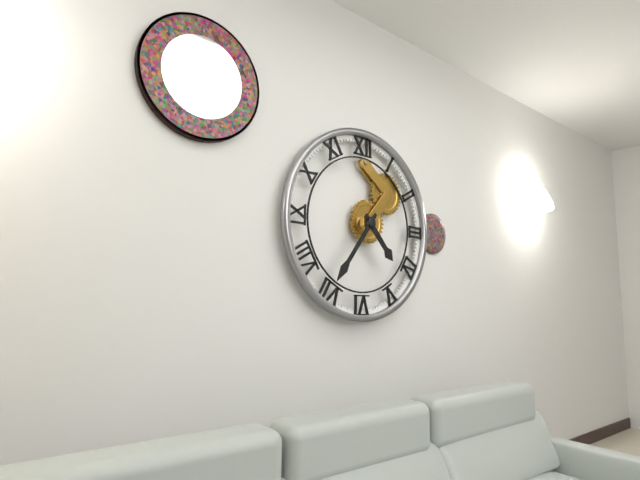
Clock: 4:36
